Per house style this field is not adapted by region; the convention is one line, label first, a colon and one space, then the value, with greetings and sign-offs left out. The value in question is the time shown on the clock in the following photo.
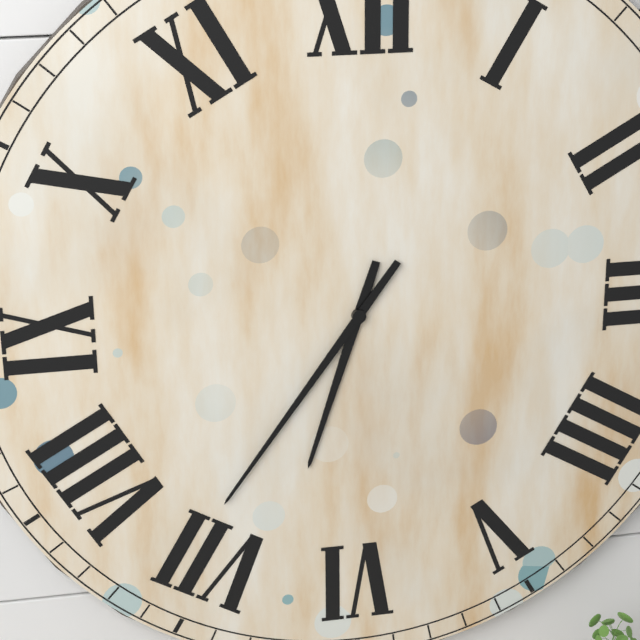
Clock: 6:36
